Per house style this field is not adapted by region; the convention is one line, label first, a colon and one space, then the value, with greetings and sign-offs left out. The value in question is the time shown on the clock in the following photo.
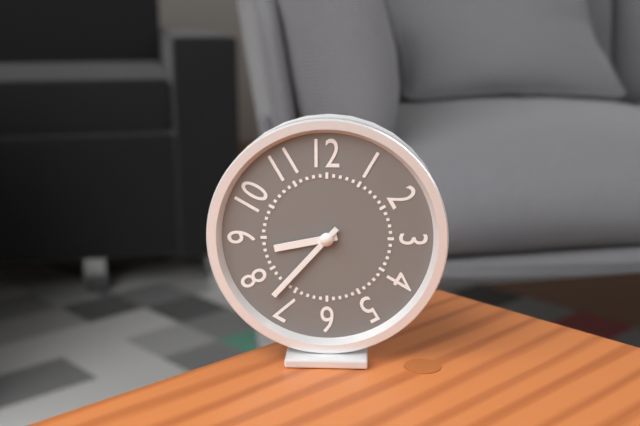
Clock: 8:37
